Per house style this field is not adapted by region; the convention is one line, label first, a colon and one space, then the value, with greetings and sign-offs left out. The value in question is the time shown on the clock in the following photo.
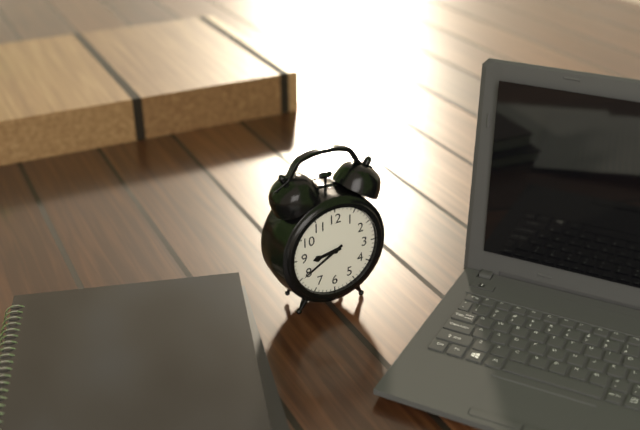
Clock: 8:40
